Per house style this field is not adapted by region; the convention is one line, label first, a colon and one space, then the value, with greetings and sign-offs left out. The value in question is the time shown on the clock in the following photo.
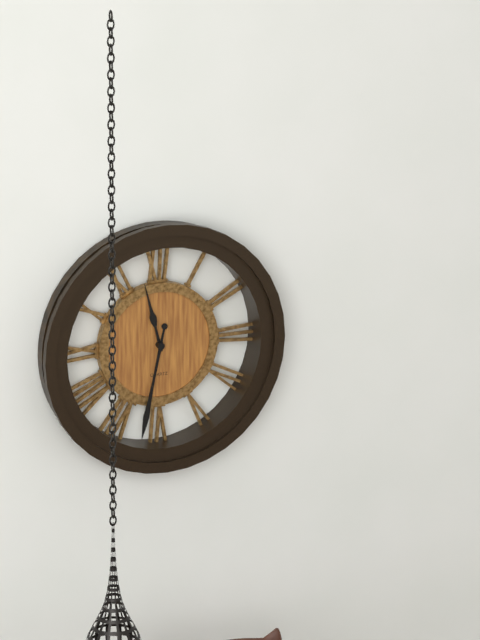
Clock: 11:32
